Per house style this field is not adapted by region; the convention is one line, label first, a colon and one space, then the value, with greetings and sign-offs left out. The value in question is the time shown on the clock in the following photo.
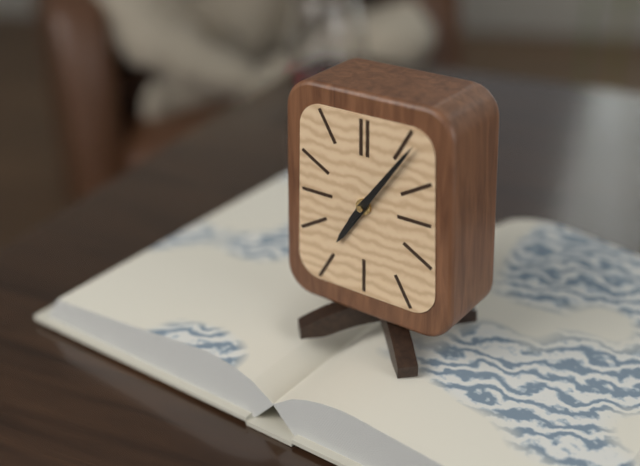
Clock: 7:06
